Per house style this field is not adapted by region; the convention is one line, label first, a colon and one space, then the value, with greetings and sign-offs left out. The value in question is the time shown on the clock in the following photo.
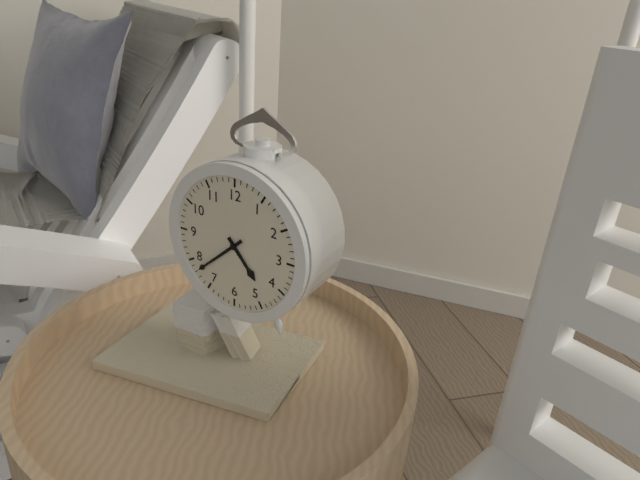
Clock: 4:38
